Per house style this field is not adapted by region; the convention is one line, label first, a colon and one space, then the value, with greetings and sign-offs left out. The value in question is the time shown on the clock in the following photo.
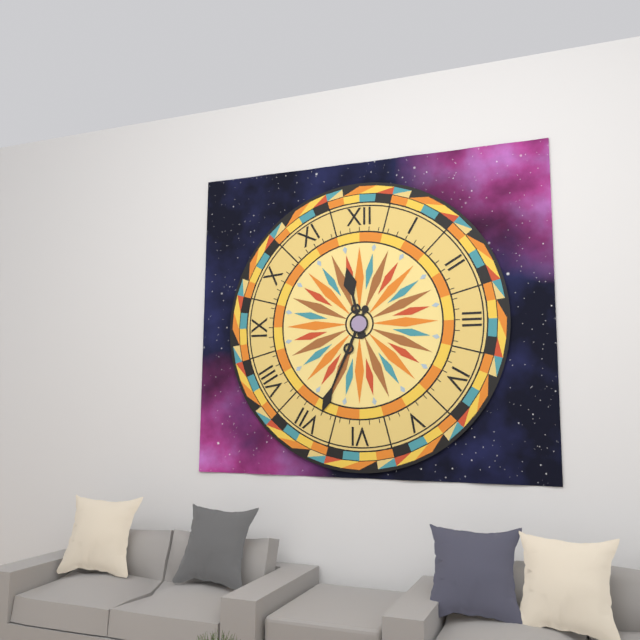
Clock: 11:34
